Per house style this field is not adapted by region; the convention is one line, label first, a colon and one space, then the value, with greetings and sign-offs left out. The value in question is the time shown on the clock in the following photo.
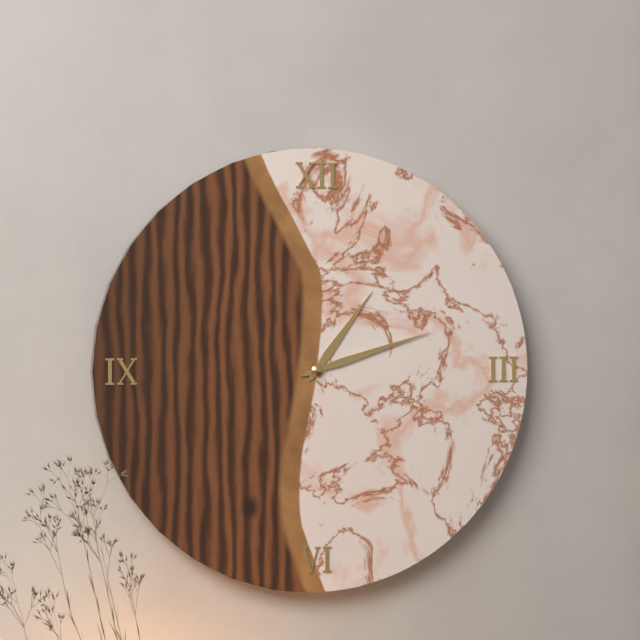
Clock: 1:12
